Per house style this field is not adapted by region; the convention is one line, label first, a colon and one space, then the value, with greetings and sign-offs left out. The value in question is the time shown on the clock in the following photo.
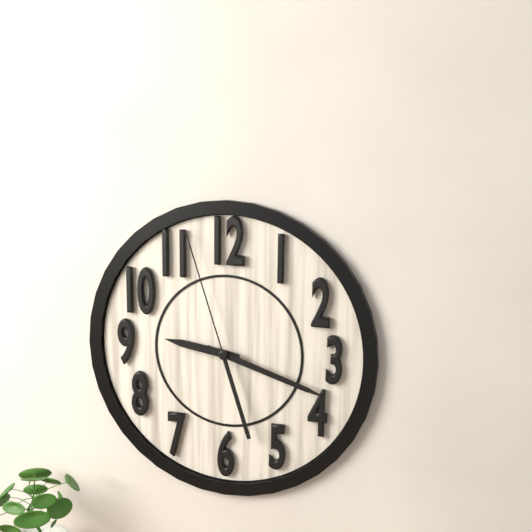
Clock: 9:18:57
